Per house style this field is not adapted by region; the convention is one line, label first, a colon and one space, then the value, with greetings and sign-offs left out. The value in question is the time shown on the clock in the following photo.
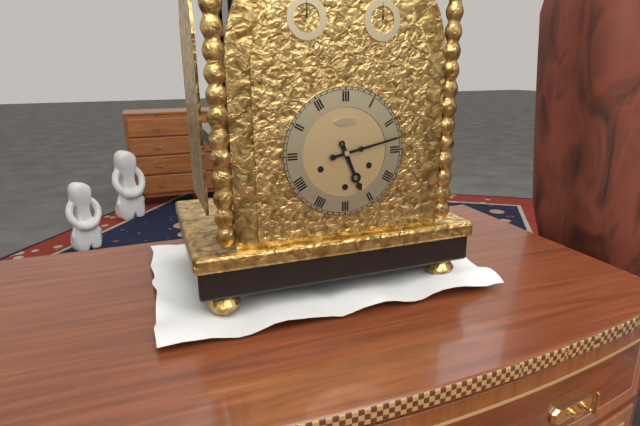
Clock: 5:13
